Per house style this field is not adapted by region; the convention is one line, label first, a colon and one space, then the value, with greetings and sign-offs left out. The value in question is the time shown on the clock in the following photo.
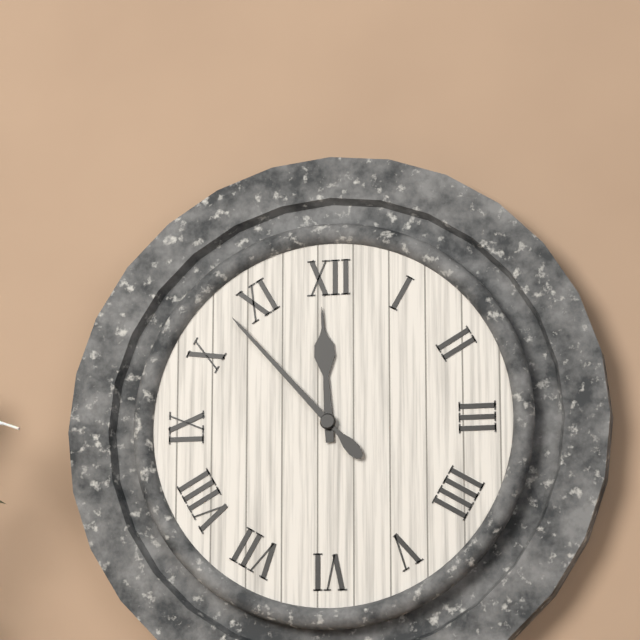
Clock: 11:53
